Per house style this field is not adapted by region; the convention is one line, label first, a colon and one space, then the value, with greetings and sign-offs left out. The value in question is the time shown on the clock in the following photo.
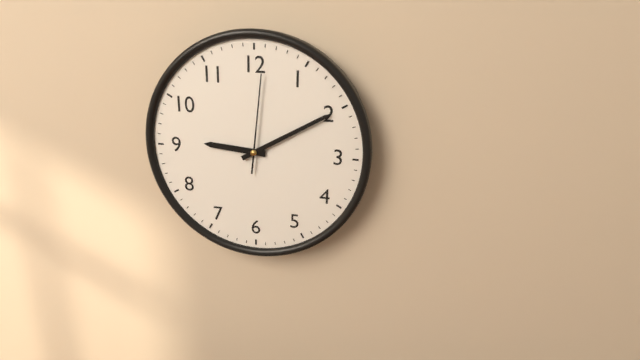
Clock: 9:10:01
